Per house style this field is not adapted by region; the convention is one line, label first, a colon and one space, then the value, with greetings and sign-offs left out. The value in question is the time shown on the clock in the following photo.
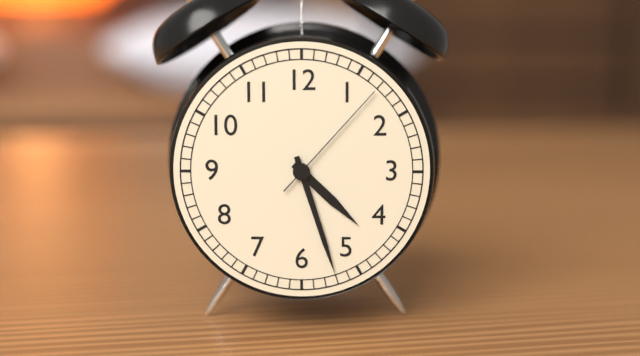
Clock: 4:27:07
